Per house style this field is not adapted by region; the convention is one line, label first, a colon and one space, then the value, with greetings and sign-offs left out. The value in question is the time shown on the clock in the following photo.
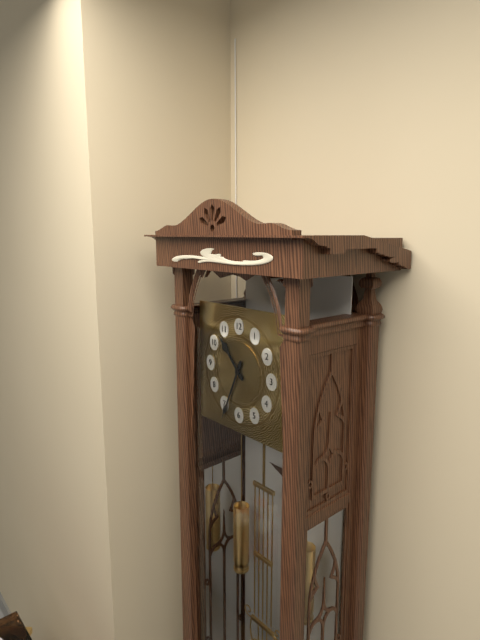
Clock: 10:34
